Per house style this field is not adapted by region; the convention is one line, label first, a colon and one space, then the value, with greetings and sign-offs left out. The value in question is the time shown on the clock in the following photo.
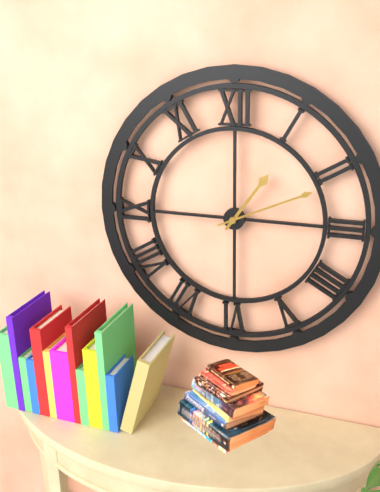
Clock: 1:11
